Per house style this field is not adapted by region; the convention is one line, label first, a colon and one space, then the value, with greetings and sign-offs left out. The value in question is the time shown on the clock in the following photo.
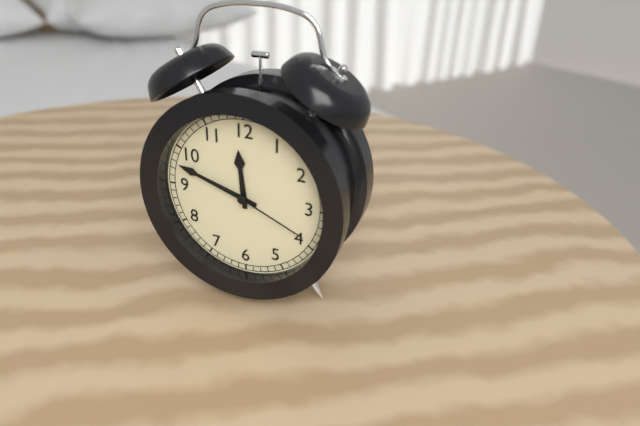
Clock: 11:48:19
